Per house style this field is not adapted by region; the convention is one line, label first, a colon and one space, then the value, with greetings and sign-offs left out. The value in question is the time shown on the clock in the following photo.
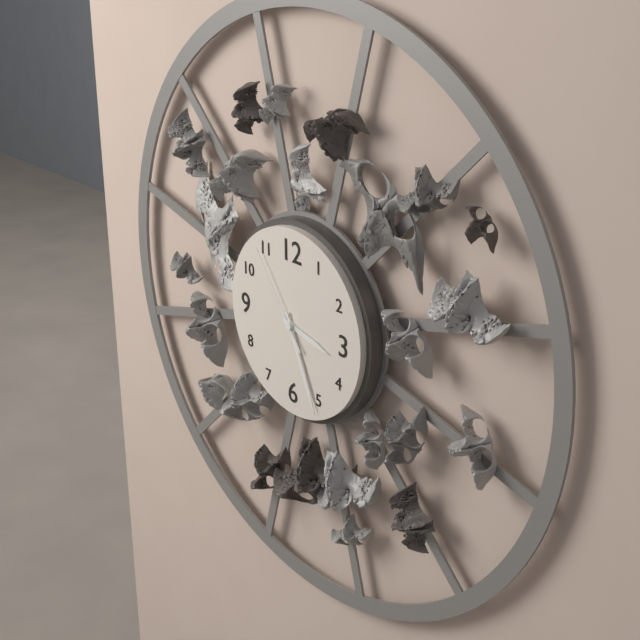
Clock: 3:26:54
